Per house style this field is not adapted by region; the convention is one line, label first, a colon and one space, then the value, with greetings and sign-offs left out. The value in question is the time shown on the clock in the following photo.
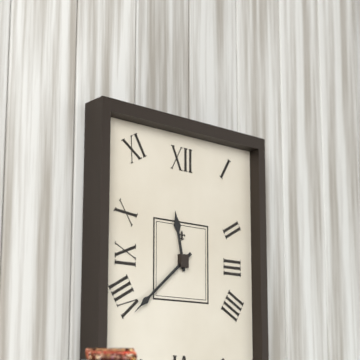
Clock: 11:38
